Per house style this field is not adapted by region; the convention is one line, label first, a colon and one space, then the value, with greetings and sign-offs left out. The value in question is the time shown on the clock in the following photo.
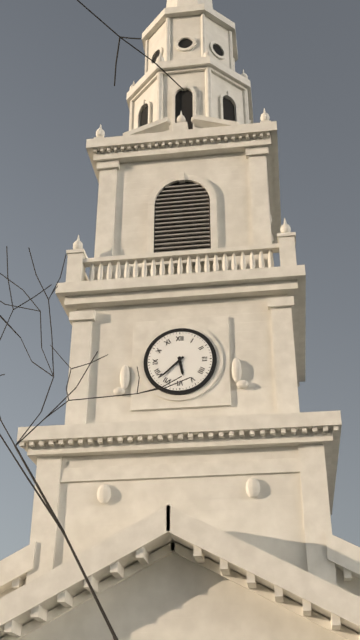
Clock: 5:38
